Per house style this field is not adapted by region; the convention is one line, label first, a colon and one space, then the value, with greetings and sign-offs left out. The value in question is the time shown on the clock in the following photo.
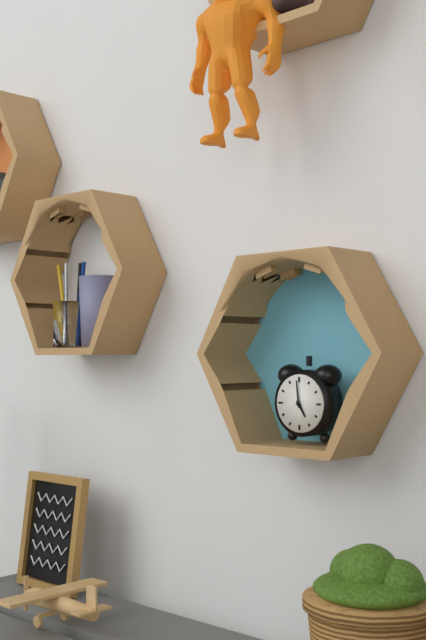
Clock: 4:59
